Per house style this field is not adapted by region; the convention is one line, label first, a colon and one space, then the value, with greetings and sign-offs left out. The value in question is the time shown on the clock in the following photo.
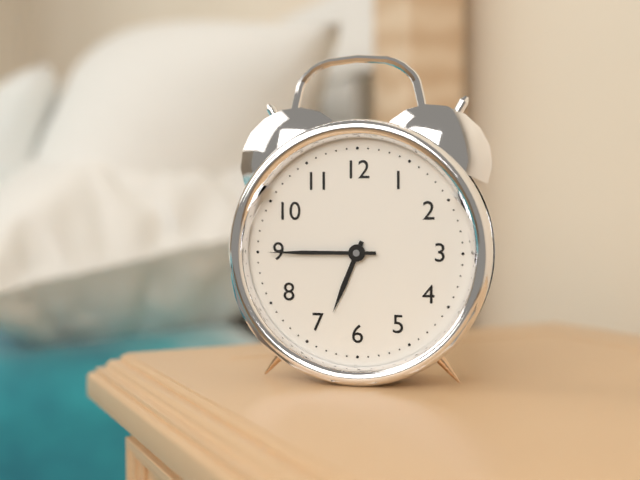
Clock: 6:45
